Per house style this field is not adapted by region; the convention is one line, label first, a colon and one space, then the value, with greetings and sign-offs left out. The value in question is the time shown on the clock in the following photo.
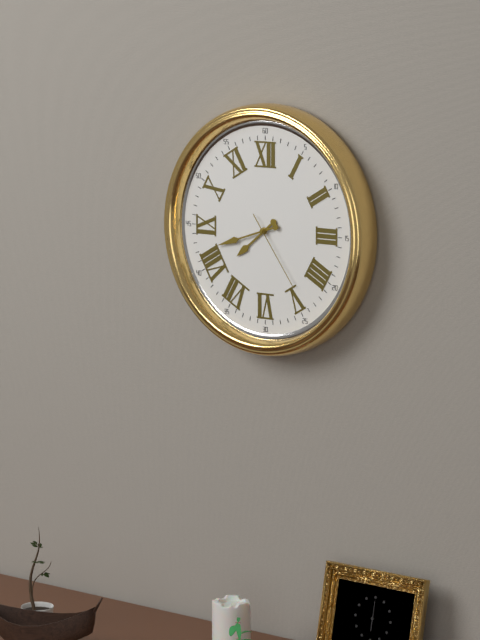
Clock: 7:42:24
